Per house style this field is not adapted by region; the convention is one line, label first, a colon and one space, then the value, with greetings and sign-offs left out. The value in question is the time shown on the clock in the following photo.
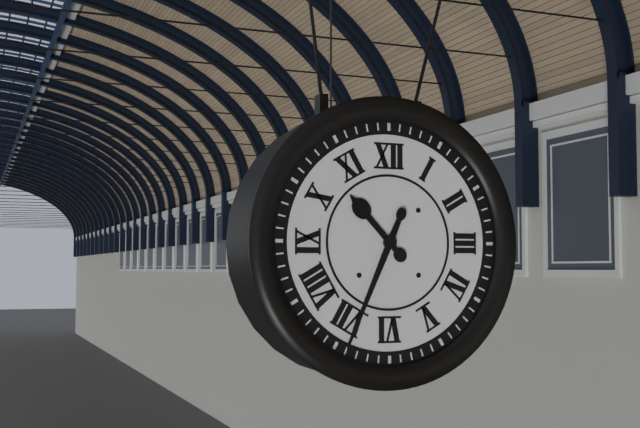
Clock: 10:34
